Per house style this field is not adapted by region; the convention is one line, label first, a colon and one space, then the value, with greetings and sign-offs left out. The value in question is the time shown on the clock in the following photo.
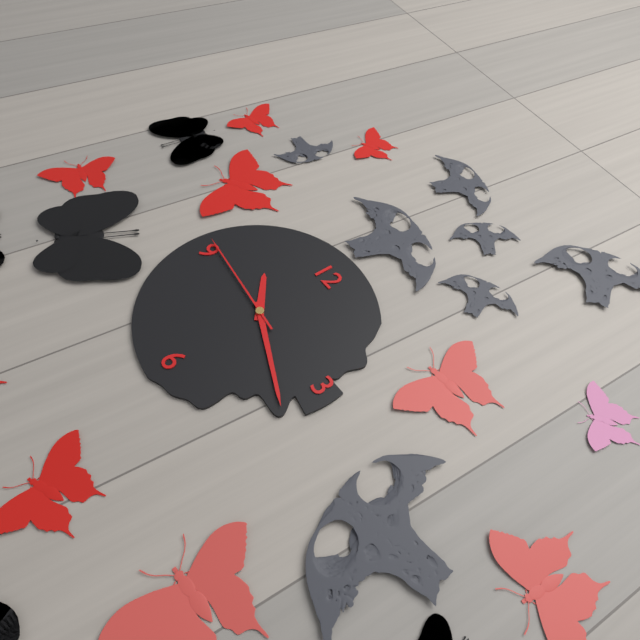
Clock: 10:19:46
